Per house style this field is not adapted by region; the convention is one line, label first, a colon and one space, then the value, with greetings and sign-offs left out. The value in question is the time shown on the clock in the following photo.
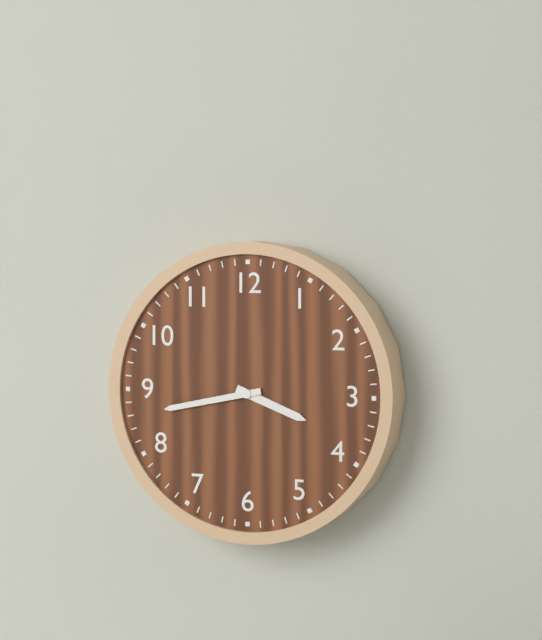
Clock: 3:43
